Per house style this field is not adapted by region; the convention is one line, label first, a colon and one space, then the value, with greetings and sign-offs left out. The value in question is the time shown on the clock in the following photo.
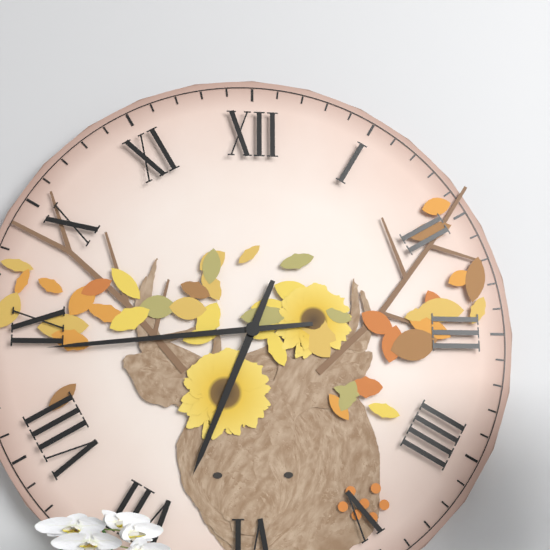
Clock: 6:44
